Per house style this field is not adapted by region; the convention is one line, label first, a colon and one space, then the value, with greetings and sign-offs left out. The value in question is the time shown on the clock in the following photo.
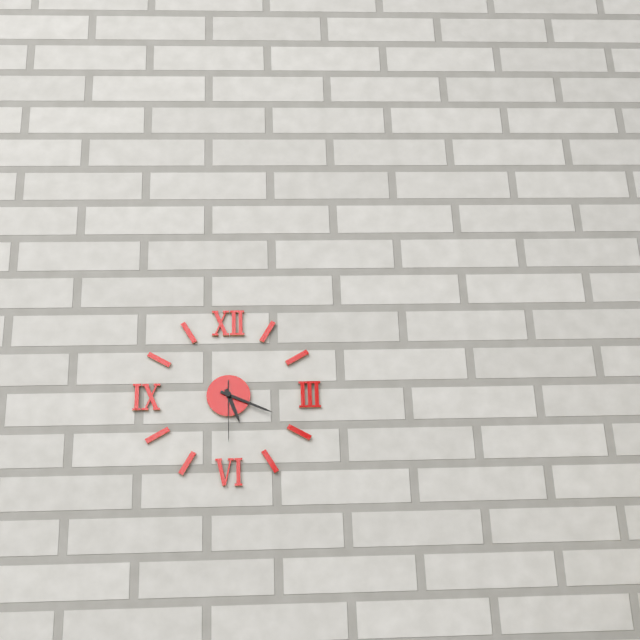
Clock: 5:19:30
